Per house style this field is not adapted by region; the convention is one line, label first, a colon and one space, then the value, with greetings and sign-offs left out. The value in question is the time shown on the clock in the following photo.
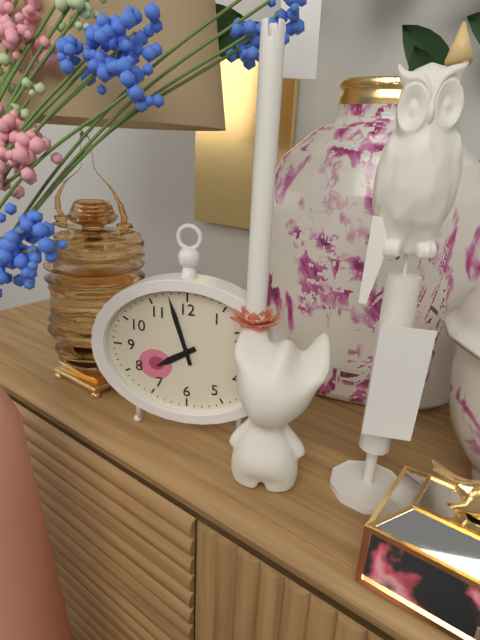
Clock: 7:57
